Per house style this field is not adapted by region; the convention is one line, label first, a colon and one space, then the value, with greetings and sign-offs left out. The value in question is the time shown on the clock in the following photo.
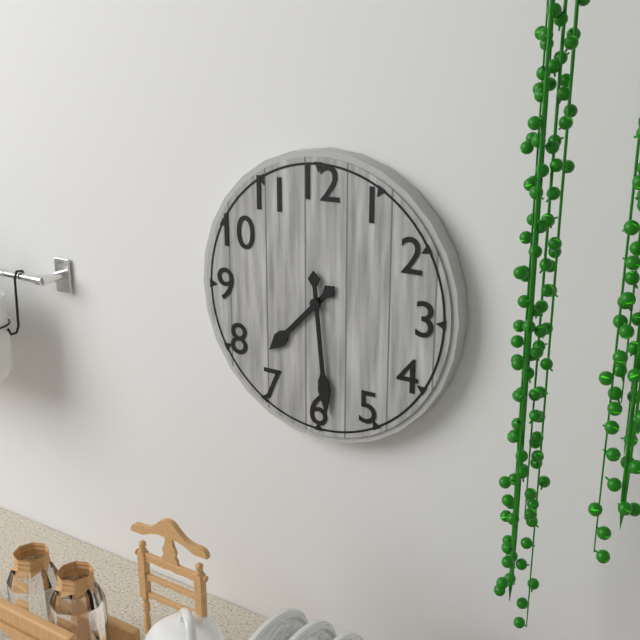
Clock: 7:29
